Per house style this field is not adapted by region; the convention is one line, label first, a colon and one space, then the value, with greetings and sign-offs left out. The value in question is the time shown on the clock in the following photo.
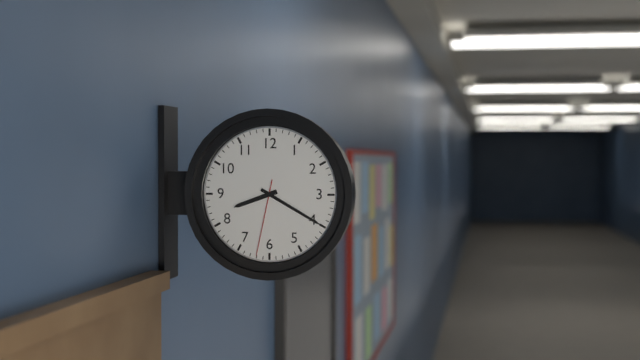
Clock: 8:20:32
